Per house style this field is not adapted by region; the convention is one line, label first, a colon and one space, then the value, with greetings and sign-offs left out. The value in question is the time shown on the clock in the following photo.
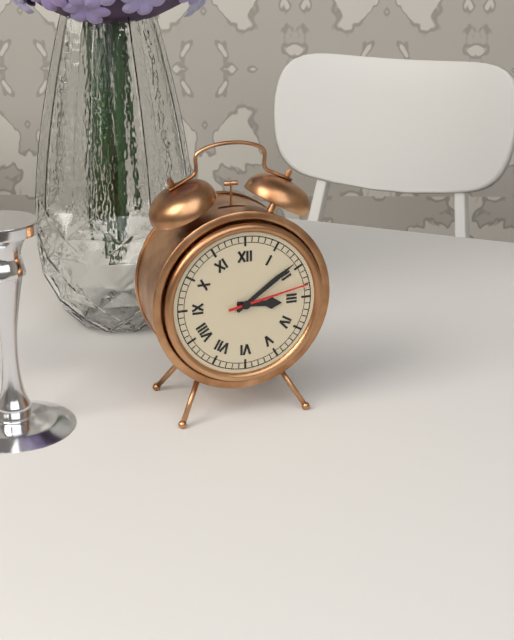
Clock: 3:09:13
